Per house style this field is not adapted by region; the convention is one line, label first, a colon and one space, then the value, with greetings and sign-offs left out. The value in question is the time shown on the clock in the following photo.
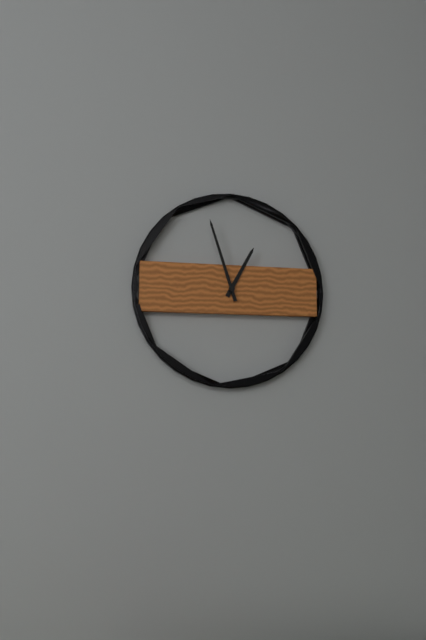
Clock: 12:57
